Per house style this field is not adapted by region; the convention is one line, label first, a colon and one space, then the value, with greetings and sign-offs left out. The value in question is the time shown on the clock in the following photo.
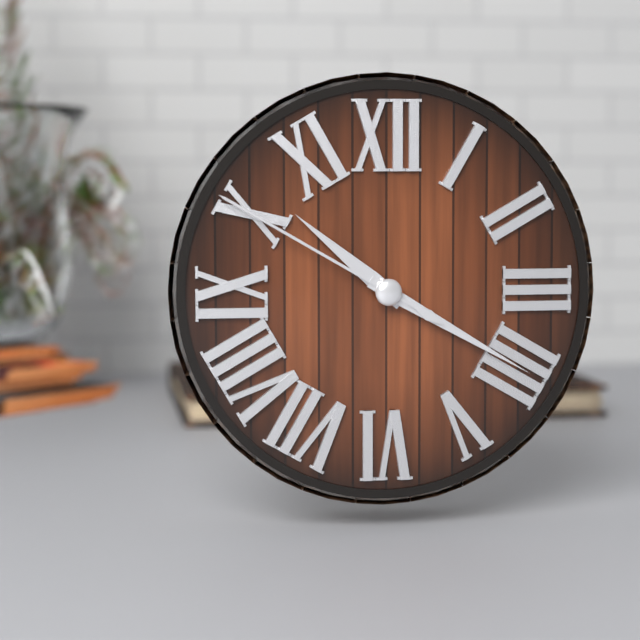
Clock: 10:20:50
